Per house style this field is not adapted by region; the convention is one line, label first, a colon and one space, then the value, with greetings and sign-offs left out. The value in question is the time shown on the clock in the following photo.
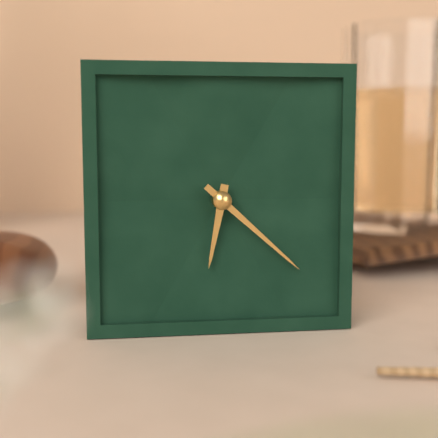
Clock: 6:22
